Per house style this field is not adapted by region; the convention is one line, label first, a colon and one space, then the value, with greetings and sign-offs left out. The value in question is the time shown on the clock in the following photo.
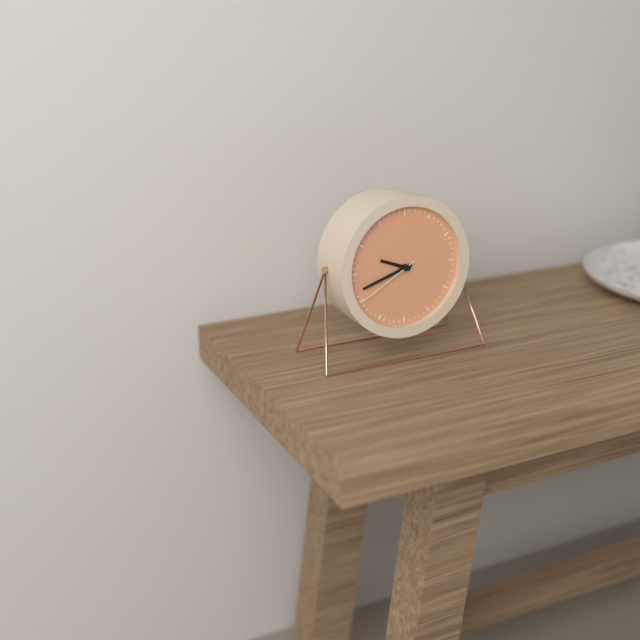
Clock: 9:42:40
